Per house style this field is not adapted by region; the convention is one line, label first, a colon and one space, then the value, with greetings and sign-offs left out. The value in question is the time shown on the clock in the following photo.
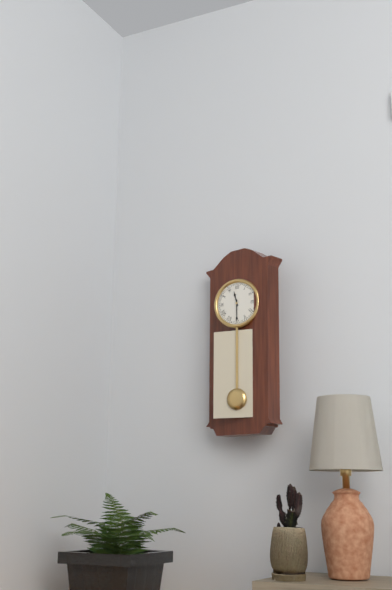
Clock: 11:30
